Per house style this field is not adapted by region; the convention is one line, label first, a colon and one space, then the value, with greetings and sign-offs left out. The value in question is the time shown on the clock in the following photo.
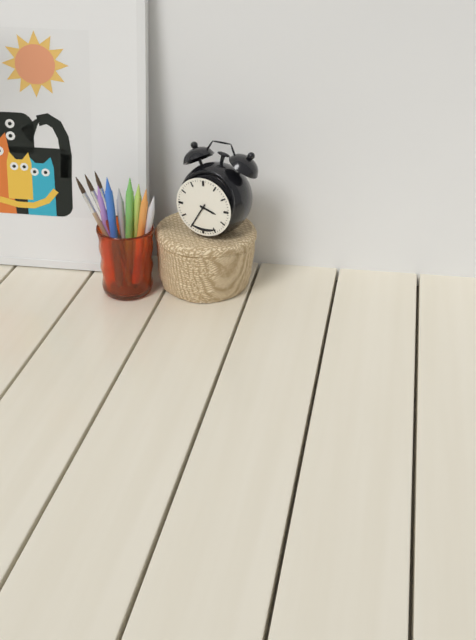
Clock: 3:35
